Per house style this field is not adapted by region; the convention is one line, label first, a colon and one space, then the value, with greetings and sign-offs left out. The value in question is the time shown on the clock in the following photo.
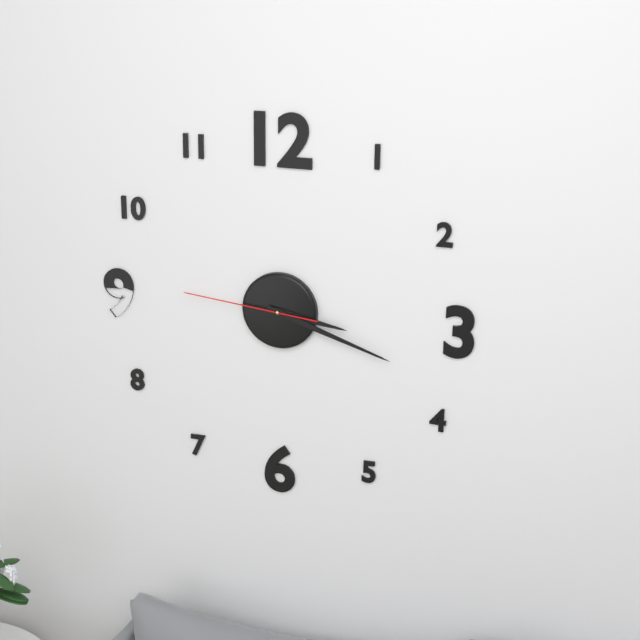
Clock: 3:18:46
